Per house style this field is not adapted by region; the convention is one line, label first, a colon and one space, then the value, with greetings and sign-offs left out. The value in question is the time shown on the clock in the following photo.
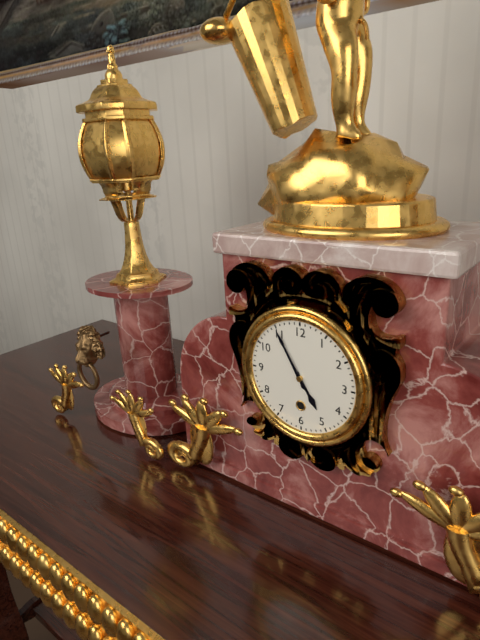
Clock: 4:55
